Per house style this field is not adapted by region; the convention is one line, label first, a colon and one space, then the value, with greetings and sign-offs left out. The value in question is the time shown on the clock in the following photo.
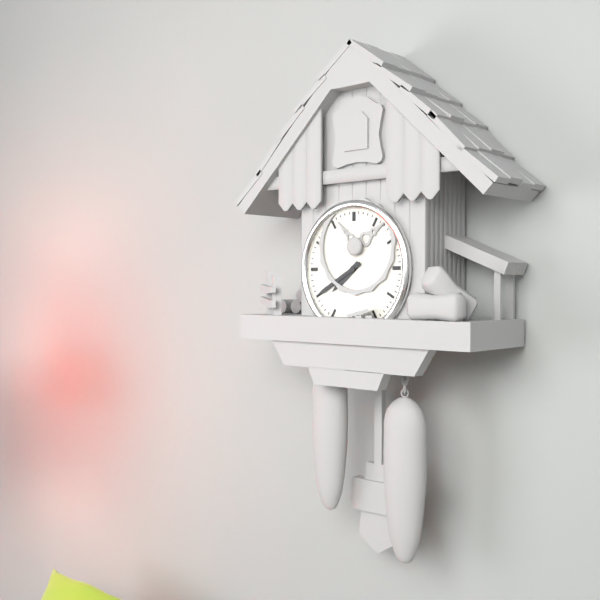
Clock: 7:40
